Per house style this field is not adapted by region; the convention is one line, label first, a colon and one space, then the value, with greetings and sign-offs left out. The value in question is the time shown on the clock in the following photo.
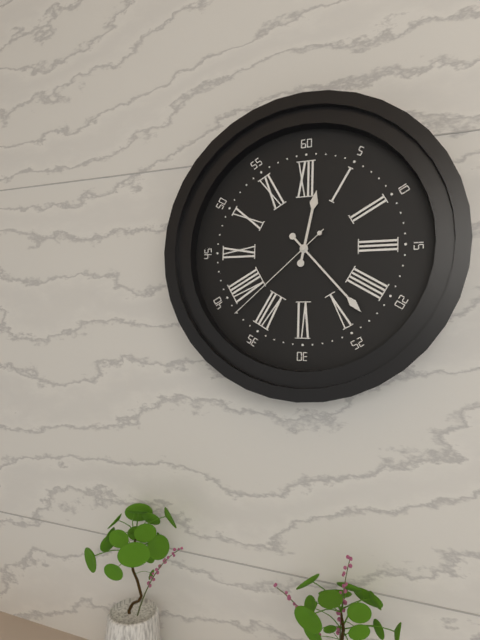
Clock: 12:23:38
